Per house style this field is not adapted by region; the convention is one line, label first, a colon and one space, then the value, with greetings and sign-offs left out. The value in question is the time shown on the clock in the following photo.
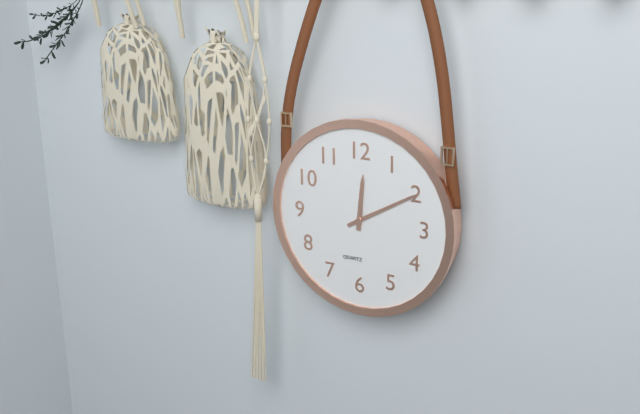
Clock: 12:10
